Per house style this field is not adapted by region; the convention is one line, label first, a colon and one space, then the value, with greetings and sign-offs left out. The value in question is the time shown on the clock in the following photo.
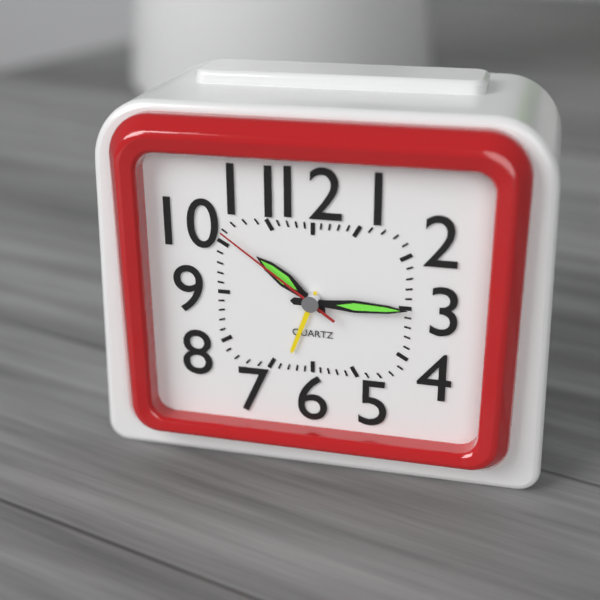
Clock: 10:15:51
